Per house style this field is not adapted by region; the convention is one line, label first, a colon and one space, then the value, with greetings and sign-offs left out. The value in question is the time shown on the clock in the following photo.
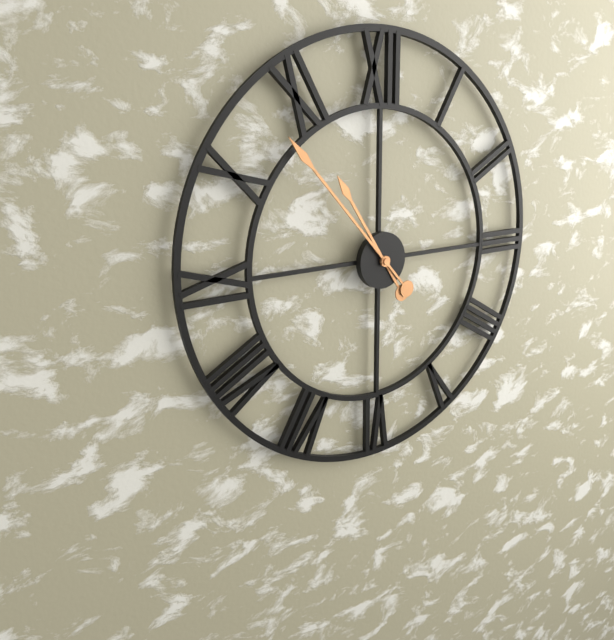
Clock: 10:53
